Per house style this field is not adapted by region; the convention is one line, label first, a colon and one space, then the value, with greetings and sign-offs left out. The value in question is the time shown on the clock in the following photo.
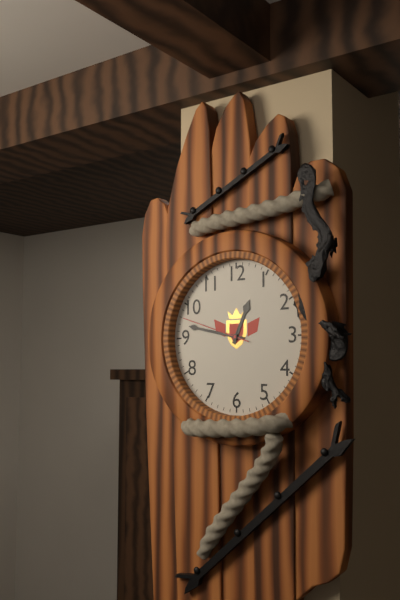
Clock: 12:47:48
